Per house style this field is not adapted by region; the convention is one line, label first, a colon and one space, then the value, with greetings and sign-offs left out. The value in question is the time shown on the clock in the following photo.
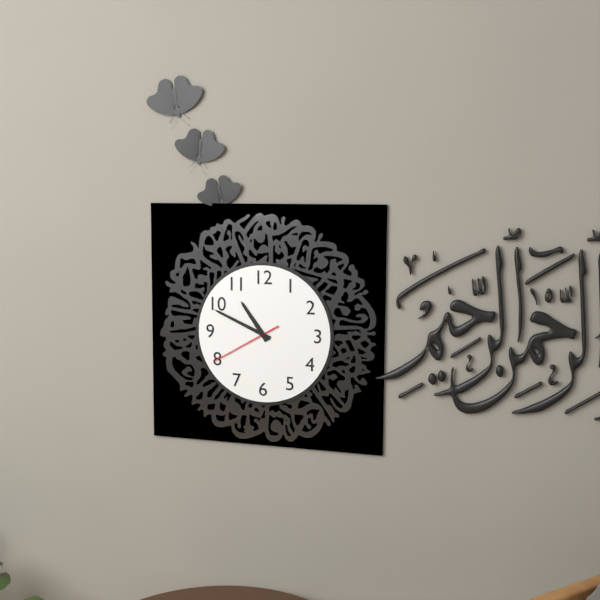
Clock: 10:49:40
